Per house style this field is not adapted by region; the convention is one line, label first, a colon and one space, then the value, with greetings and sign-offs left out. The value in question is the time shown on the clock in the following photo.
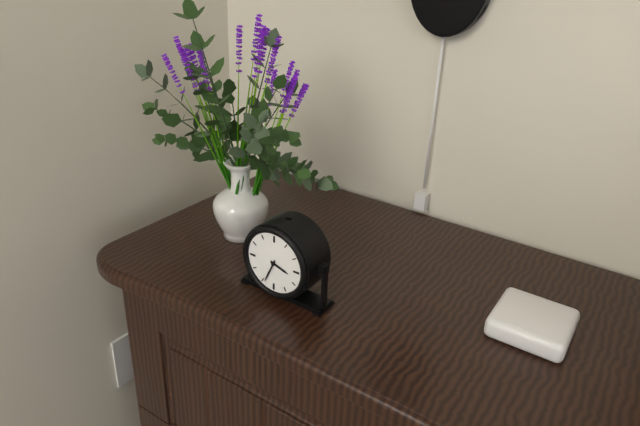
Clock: 3:34
